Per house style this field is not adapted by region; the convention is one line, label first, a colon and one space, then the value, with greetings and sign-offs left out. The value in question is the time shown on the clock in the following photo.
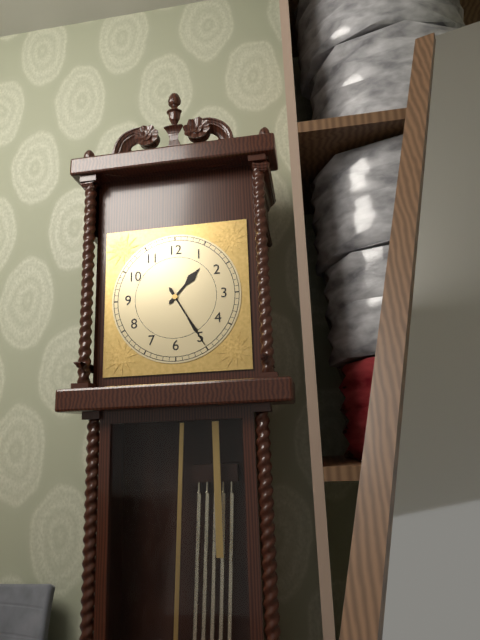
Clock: 1:25
